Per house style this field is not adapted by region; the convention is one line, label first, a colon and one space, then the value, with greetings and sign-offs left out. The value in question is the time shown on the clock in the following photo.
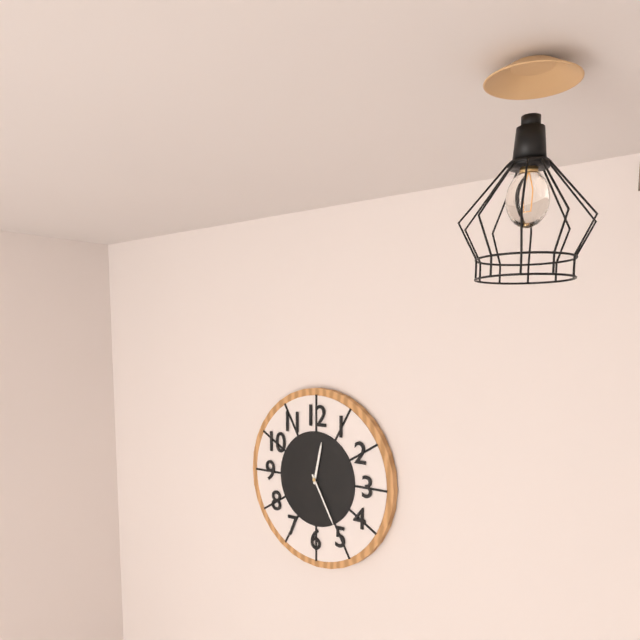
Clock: 12:25
